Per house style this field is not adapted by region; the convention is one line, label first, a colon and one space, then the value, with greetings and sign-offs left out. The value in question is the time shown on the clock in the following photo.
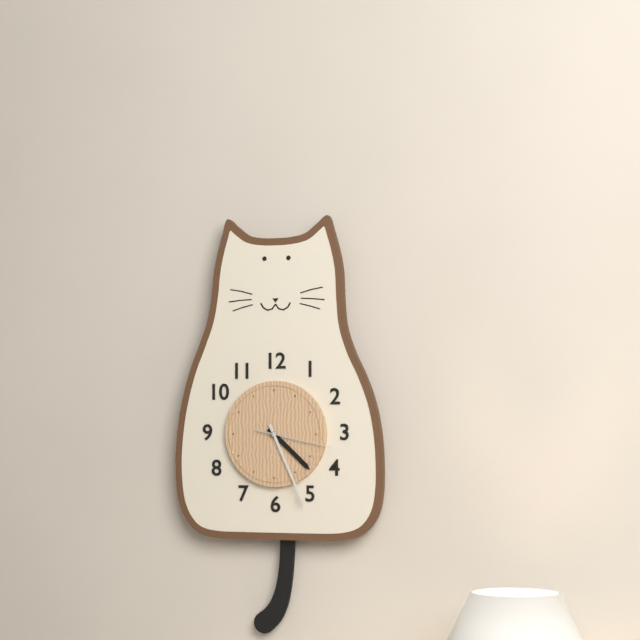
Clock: 4:26:17
